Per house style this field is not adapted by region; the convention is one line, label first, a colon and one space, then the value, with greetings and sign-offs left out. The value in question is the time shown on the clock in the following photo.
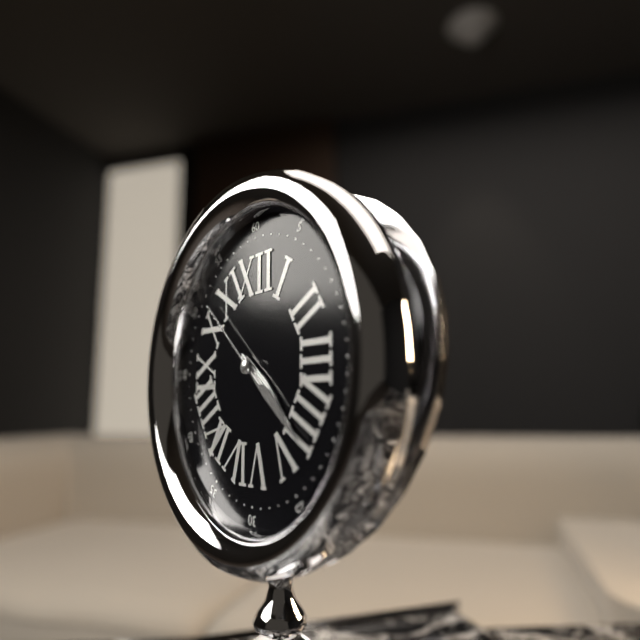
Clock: 4:22:52
